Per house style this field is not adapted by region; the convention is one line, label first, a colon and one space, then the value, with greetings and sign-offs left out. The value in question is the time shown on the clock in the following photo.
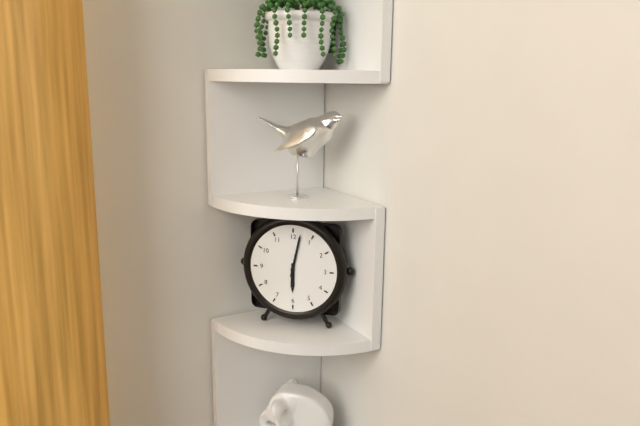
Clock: 6:02
